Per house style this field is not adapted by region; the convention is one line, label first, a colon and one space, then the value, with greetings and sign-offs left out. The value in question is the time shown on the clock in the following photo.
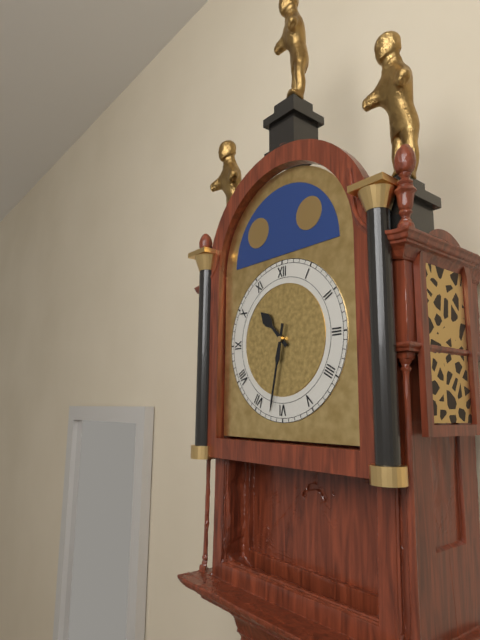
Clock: 10:32
